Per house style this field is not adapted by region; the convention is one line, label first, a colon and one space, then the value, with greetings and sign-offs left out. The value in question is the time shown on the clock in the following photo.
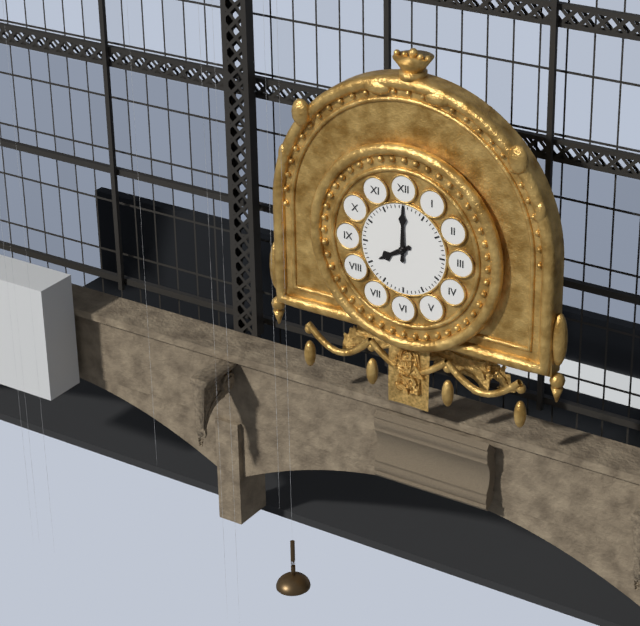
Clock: 8:00
